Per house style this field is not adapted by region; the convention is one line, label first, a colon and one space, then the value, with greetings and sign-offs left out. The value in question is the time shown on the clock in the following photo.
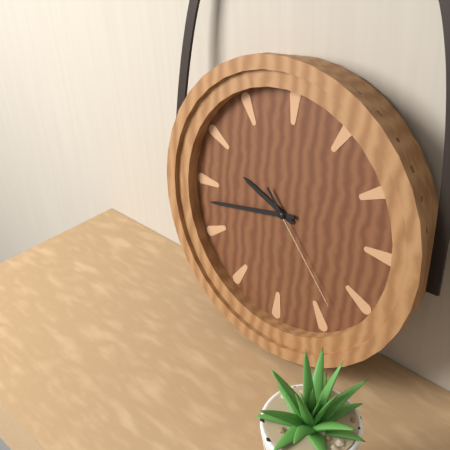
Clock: 9:43:23
